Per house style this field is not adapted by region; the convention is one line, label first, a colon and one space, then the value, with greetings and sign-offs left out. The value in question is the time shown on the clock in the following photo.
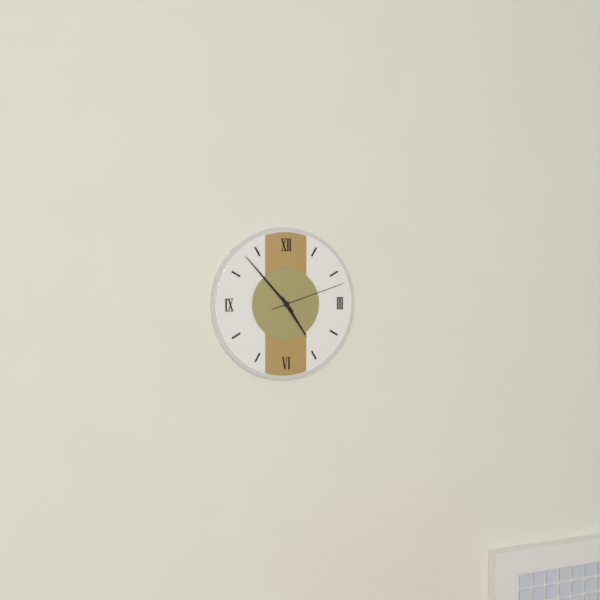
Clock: 4:53:12
